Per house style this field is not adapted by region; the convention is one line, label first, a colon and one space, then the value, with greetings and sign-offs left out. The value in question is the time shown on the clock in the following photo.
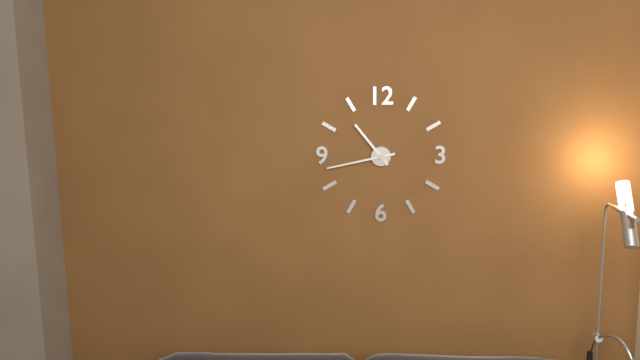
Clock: 10:43
